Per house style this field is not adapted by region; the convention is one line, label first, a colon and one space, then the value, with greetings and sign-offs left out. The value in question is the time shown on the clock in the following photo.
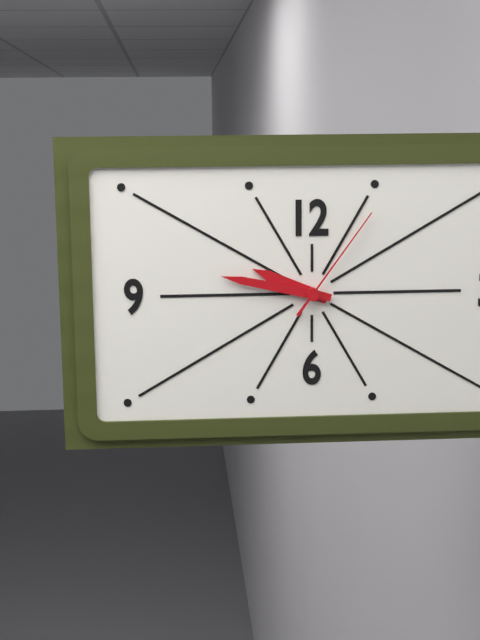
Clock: 9:47:06
